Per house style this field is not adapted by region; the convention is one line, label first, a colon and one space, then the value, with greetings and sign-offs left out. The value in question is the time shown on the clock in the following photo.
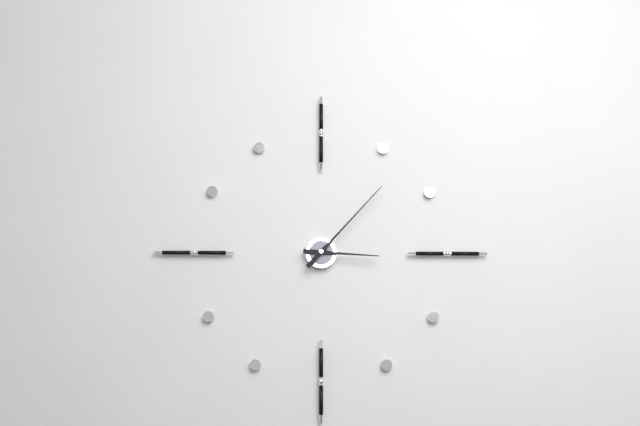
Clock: 3:07
